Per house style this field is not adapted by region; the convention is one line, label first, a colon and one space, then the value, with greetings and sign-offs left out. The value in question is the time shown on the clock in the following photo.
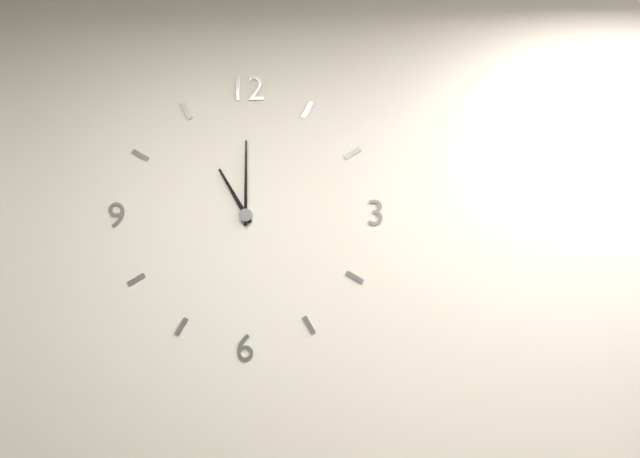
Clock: 11:00
